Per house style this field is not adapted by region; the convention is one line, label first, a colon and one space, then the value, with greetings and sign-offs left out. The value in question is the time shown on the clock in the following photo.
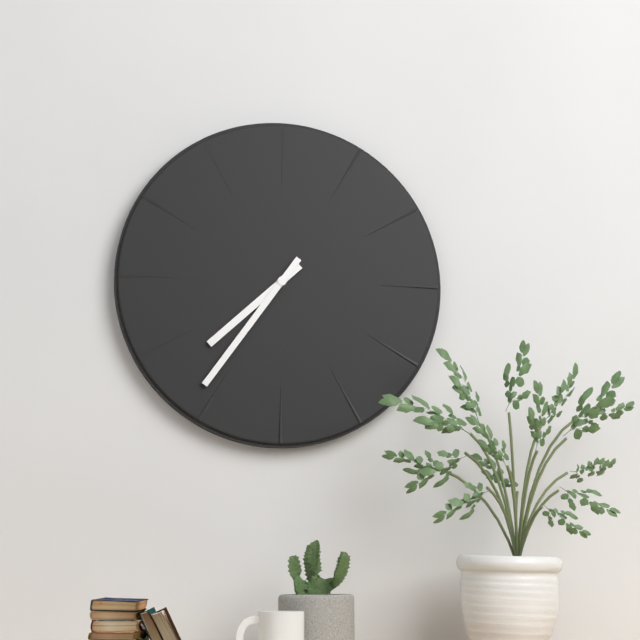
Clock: 7:36
